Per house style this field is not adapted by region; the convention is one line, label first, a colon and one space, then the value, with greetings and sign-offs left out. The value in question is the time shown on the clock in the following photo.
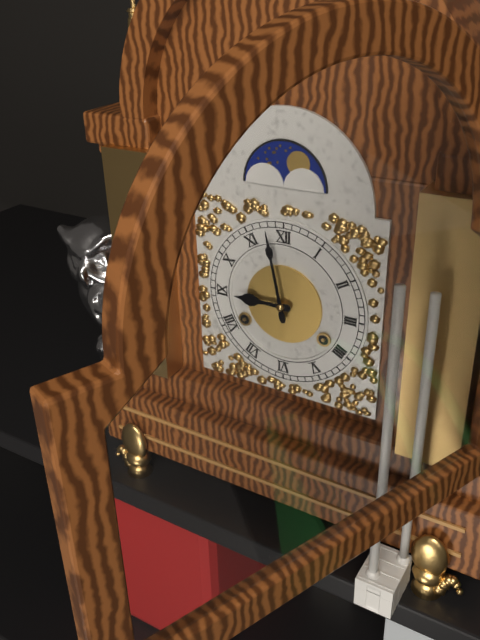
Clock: 8:58
